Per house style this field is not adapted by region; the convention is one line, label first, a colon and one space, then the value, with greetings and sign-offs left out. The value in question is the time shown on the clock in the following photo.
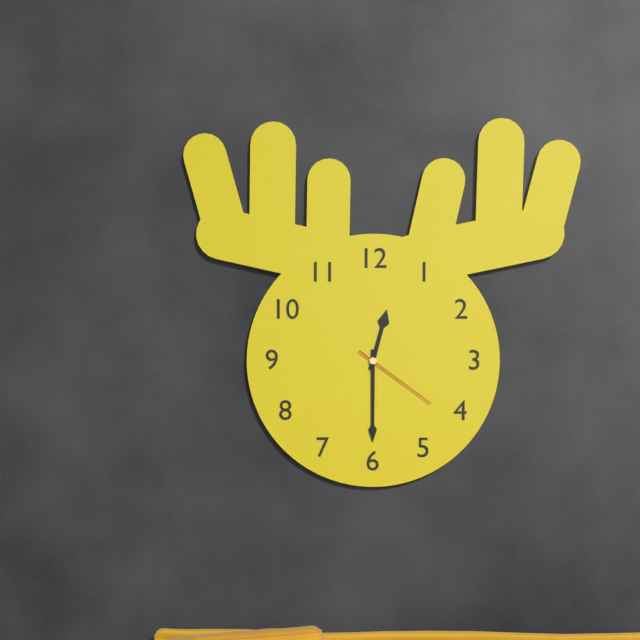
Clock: 12:30:21
